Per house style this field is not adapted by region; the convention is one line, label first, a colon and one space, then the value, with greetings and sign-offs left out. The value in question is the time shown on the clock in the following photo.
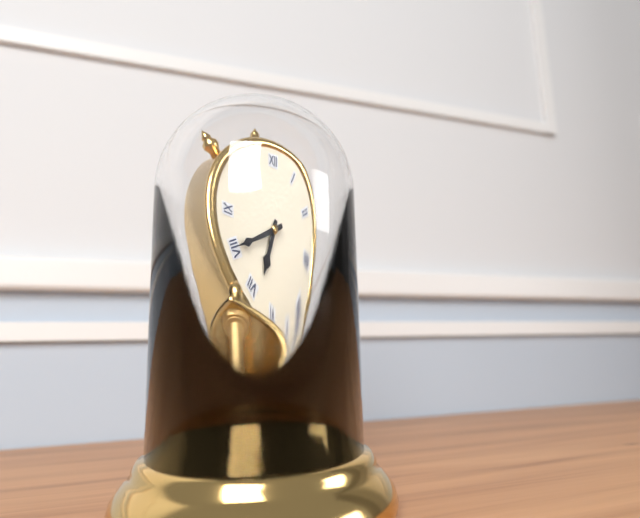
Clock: 6:40
